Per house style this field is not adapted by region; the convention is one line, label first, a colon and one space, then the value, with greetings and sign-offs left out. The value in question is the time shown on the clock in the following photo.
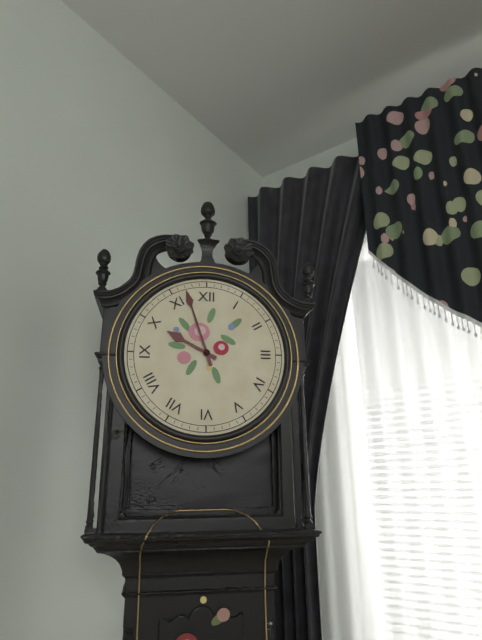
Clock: 9:57
